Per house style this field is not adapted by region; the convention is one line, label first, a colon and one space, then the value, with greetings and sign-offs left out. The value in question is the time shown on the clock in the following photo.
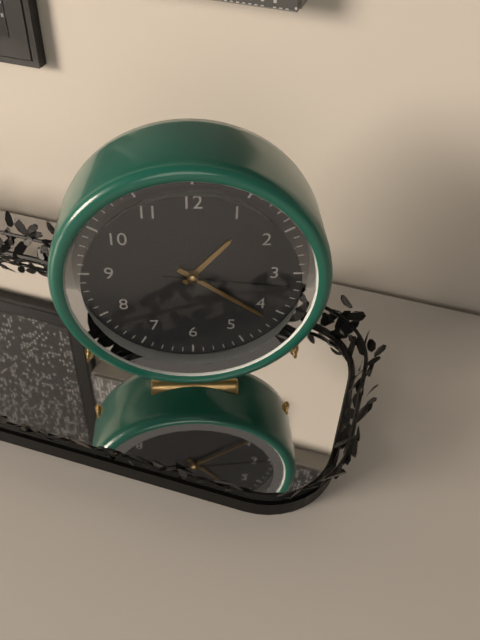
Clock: 1:21:16
